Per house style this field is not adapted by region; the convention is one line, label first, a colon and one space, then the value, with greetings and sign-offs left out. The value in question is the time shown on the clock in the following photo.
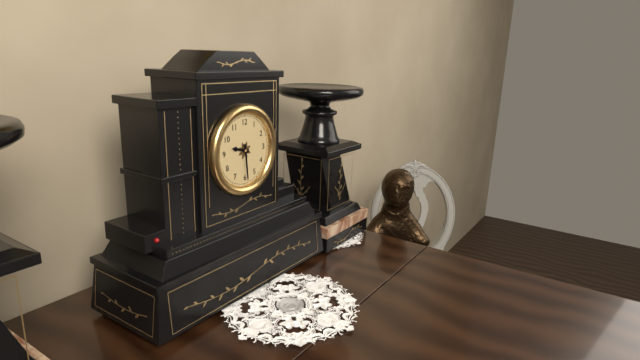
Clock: 9:29
